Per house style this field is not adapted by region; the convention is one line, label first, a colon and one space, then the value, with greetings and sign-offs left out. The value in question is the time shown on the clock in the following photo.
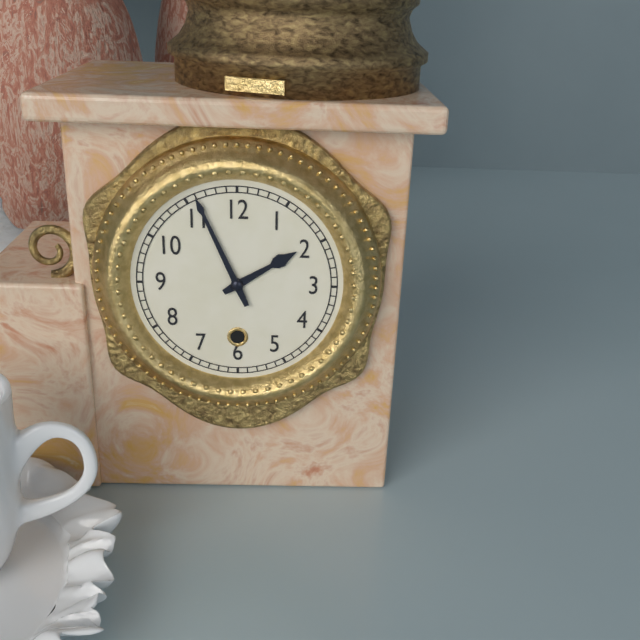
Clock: 1:56
